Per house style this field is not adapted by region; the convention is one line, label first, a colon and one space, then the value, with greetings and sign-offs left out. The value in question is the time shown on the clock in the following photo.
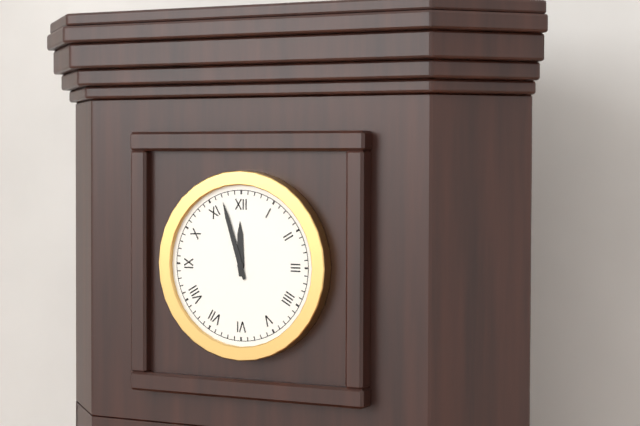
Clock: 11:57
